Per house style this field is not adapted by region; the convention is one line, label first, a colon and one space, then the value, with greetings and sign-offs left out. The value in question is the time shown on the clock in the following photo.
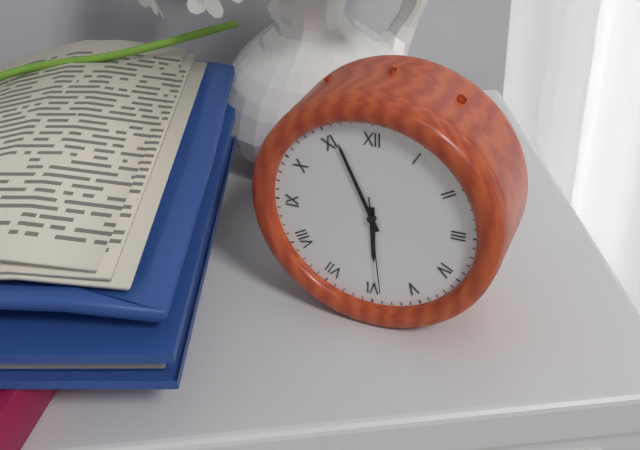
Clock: 5:56:29
